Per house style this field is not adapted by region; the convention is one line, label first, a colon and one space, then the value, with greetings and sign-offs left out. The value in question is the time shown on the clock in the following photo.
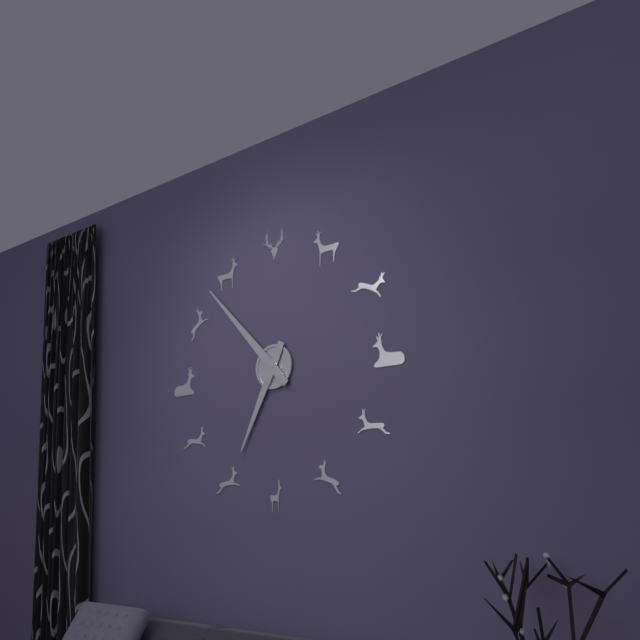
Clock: 6:53
